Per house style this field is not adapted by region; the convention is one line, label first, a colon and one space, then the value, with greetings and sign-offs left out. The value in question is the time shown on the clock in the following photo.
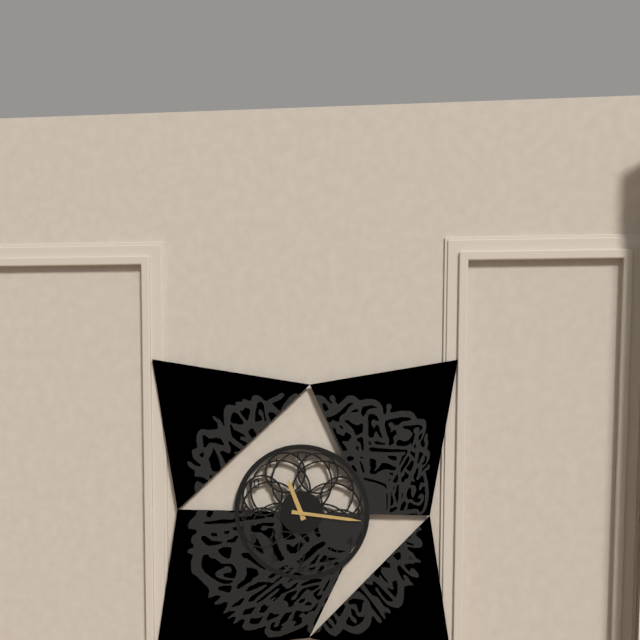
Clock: 11:16
